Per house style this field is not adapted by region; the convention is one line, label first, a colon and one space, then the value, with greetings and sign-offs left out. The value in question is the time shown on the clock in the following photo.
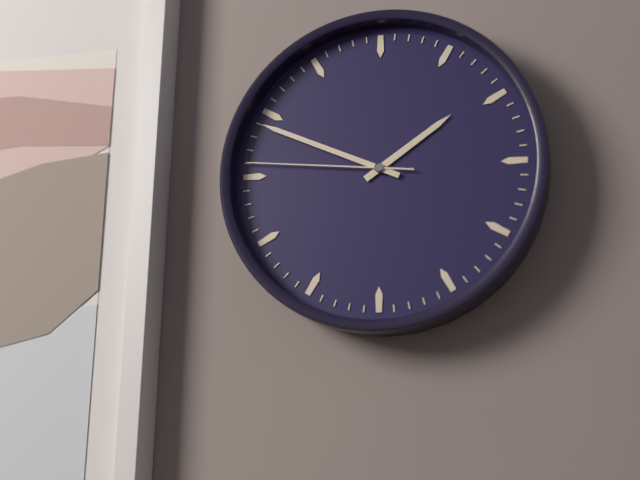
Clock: 1:49:46
